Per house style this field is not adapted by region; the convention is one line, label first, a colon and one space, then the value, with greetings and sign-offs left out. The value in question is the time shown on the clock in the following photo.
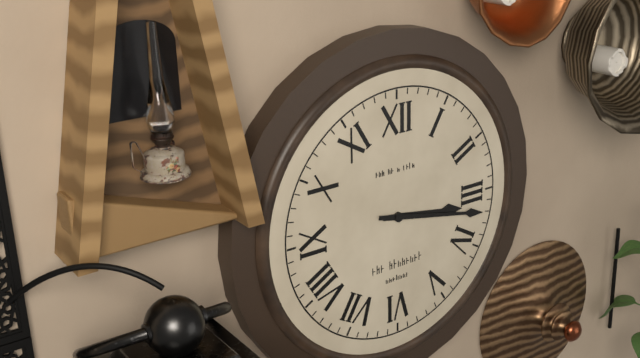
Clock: 3:17
